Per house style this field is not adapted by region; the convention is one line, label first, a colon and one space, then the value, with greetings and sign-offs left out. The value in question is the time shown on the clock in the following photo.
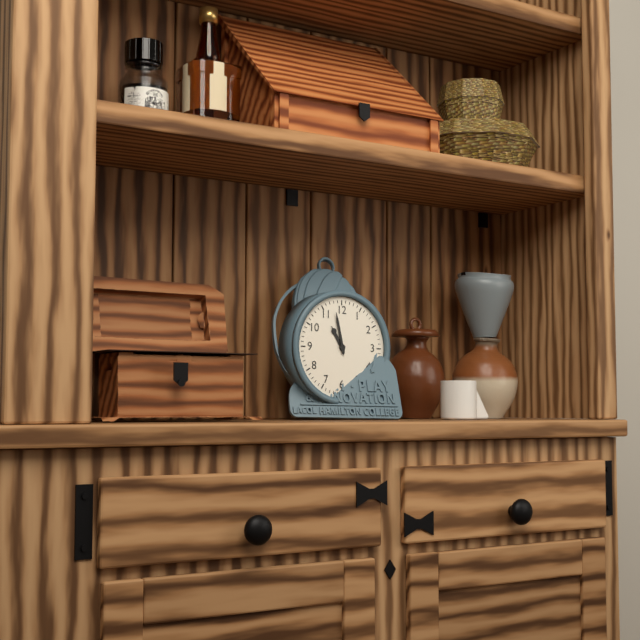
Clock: 10:58
